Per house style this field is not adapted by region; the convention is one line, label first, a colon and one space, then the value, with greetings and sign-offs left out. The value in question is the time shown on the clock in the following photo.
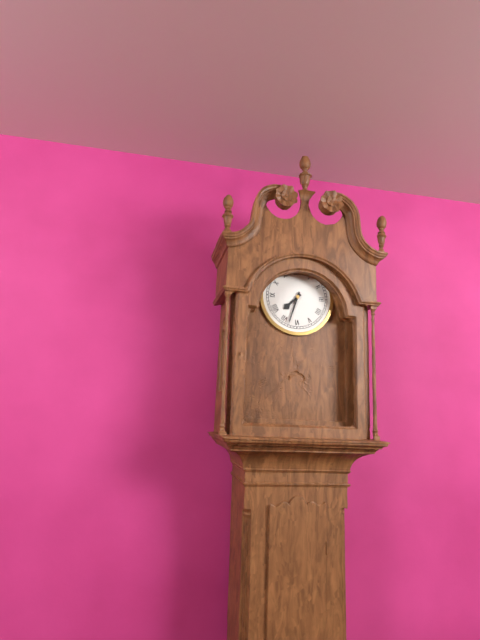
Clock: 7:33
